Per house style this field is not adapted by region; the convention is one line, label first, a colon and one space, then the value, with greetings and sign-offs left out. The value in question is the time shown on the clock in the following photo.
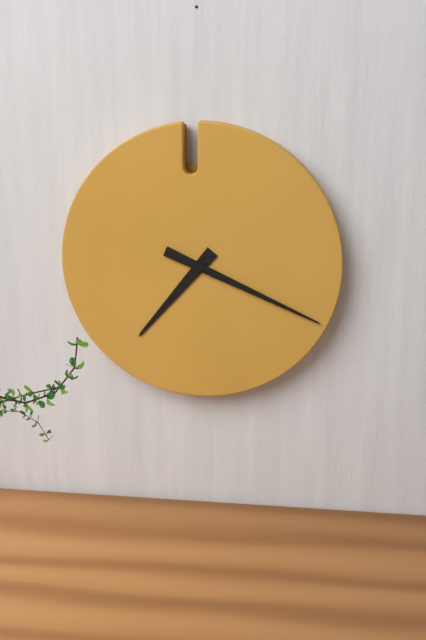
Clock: 7:19
